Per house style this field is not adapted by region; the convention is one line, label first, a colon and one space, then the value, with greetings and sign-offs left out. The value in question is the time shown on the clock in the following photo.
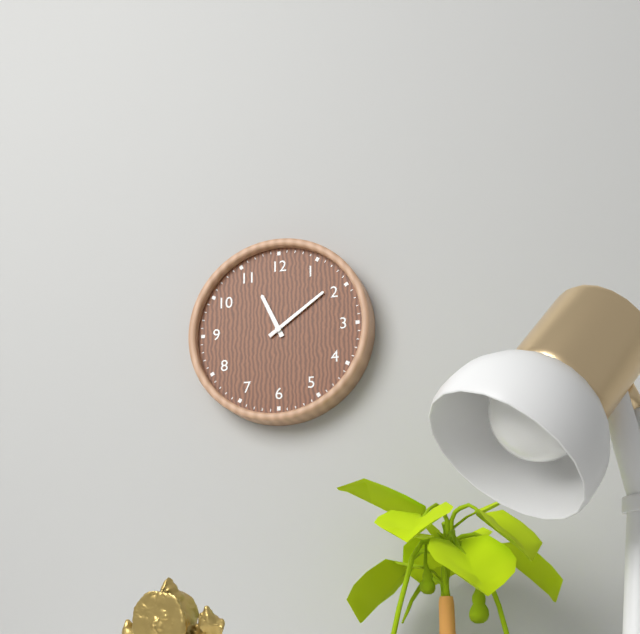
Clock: 11:09
